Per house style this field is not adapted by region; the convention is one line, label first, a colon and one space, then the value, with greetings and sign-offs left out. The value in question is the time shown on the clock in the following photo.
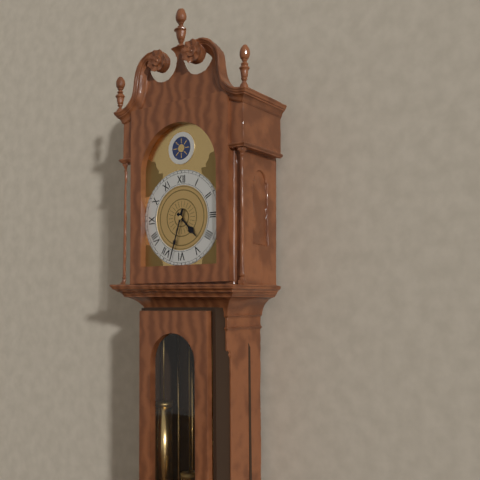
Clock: 4:33
